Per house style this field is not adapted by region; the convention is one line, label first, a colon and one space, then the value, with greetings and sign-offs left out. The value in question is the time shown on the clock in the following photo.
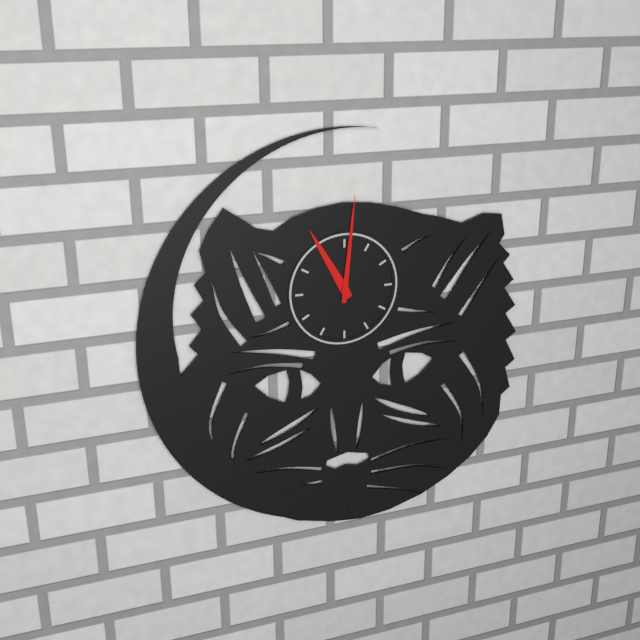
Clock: 11:01
